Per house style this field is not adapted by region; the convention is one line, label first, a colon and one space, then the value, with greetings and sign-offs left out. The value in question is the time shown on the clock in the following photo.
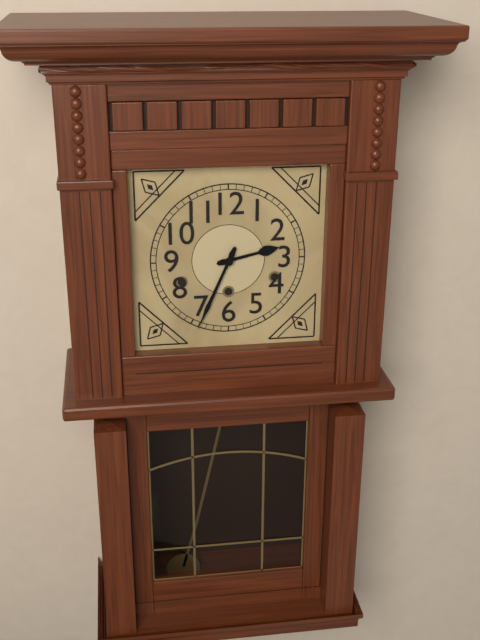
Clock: 2:34
